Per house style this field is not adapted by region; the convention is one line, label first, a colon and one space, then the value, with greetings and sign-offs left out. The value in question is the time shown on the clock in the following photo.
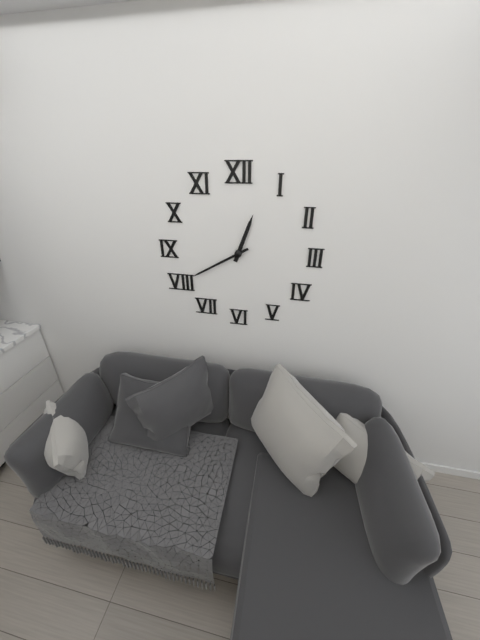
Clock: 12:40
